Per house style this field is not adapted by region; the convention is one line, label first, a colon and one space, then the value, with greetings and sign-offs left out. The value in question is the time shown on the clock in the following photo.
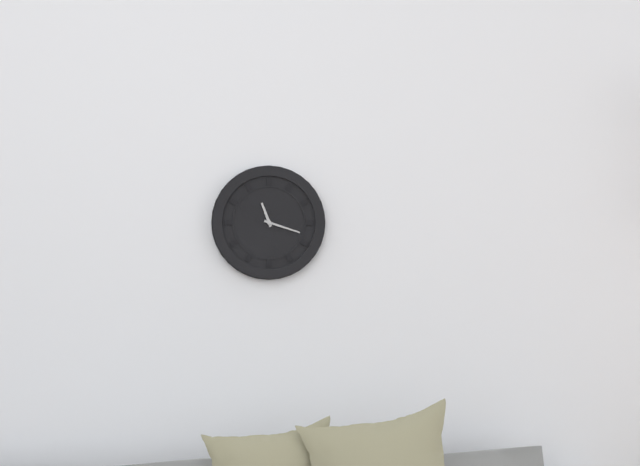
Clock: 11:18
